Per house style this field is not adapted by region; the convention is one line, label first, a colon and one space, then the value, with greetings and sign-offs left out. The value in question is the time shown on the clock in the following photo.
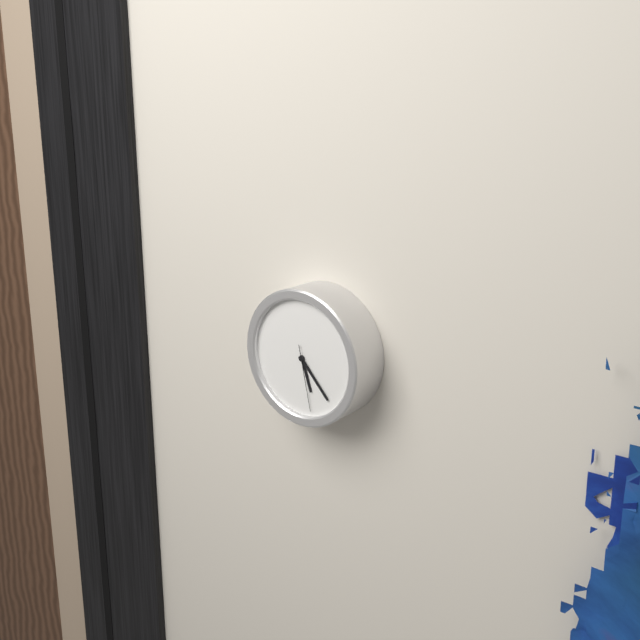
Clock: 5:23:28
